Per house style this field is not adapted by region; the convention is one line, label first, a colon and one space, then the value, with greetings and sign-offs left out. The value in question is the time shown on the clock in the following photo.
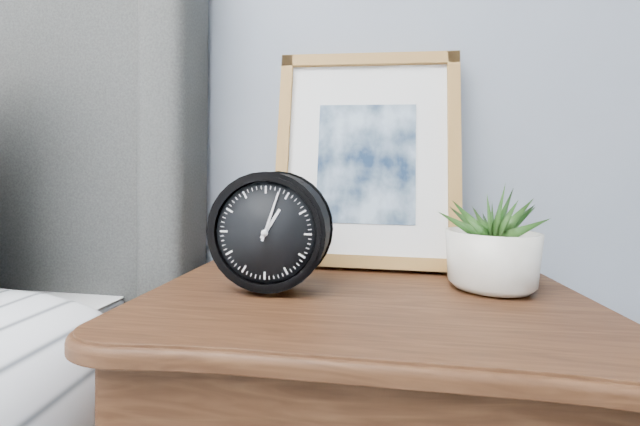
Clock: 1:03
